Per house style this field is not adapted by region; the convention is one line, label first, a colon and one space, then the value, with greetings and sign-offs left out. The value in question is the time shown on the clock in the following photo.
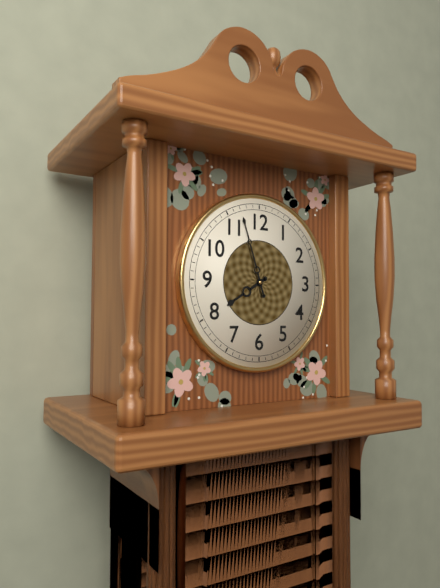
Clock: 7:57
